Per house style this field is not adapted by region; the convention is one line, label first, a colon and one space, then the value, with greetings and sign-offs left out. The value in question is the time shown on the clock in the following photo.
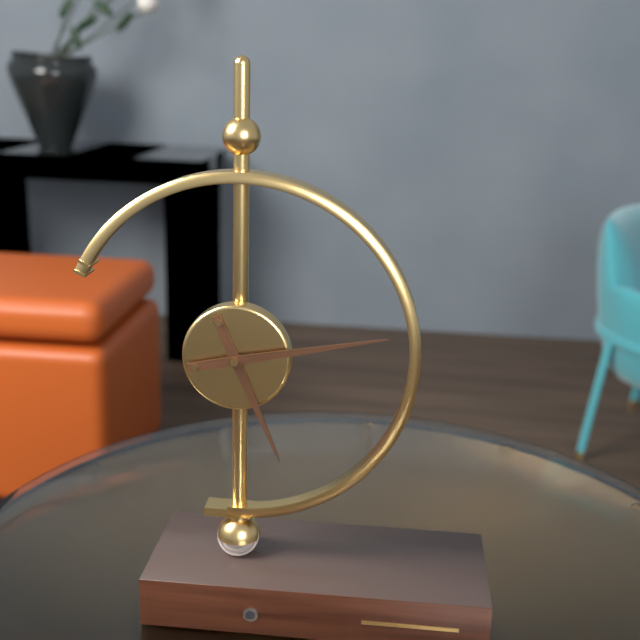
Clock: 5:13
